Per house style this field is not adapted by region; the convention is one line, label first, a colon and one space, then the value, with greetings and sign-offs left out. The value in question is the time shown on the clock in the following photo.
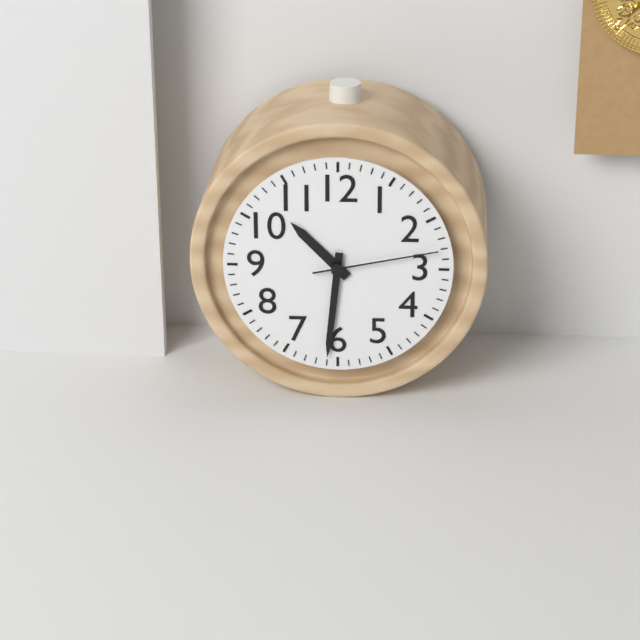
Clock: 10:31:13
